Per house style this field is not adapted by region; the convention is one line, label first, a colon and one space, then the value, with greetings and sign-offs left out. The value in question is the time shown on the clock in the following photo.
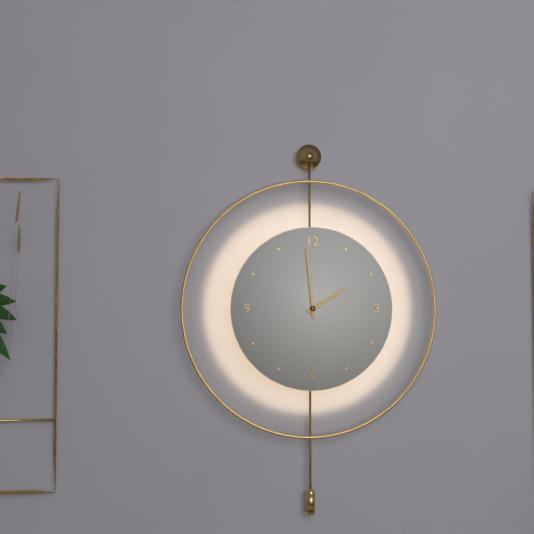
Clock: 1:59
